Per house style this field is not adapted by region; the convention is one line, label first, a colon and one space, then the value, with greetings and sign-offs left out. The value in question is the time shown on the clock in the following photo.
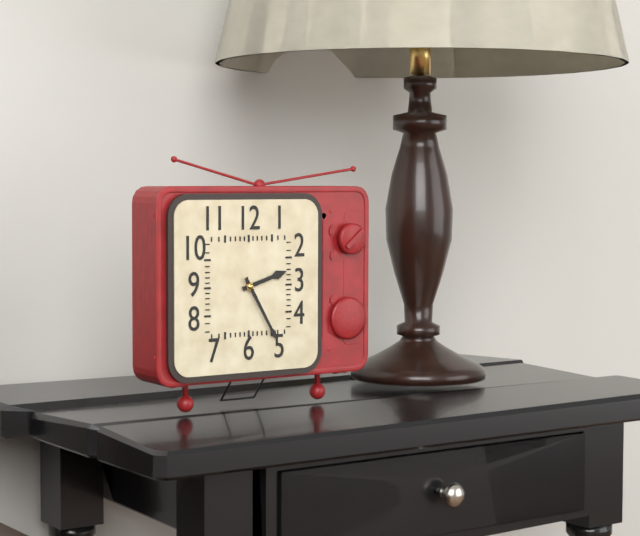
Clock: 2:25
